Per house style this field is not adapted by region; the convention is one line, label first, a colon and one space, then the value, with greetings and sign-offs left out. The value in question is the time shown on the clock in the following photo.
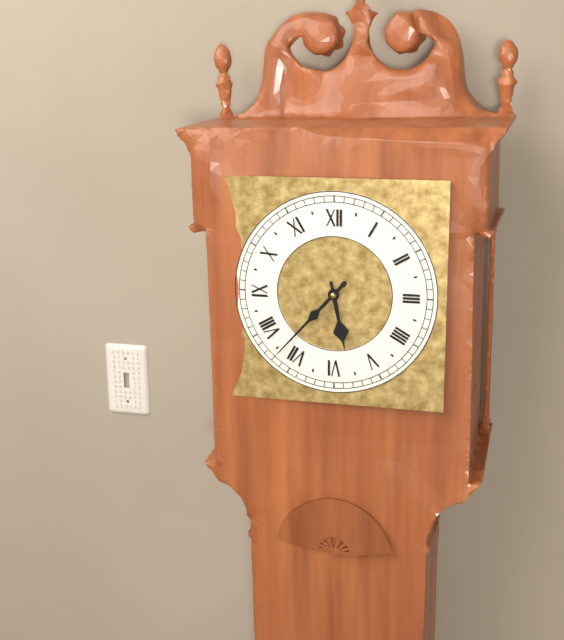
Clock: 5:37
